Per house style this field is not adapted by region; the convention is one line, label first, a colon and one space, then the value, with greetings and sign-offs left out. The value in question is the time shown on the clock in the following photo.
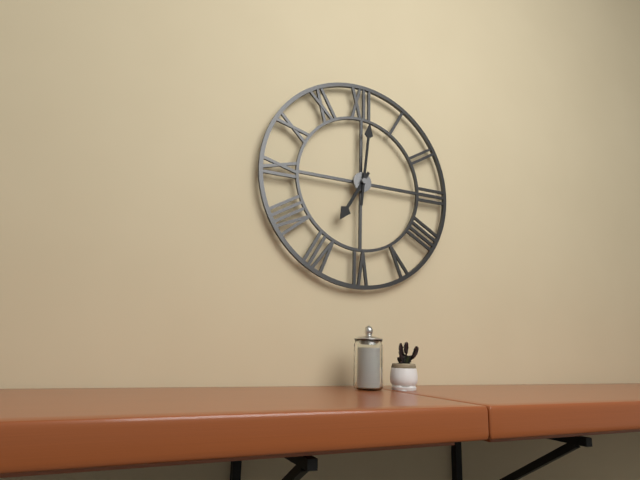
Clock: 7:01
